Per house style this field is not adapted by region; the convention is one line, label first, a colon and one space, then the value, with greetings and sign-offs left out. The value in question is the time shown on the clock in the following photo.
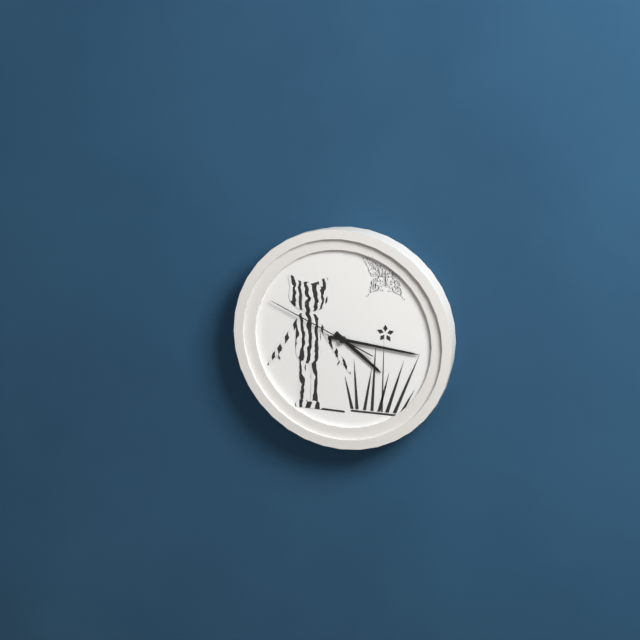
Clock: 4:16:49
